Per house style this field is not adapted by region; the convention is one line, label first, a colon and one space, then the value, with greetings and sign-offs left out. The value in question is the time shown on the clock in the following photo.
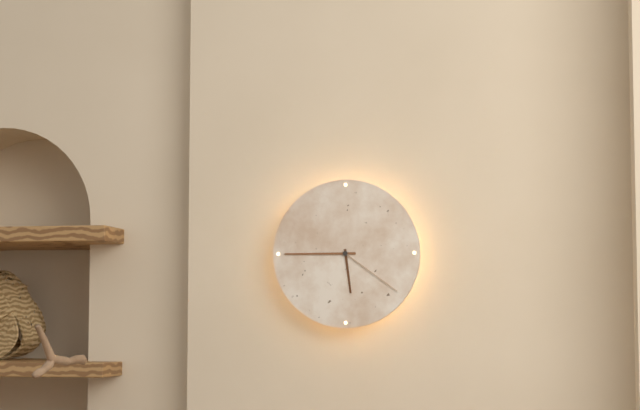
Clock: 5:45:21
